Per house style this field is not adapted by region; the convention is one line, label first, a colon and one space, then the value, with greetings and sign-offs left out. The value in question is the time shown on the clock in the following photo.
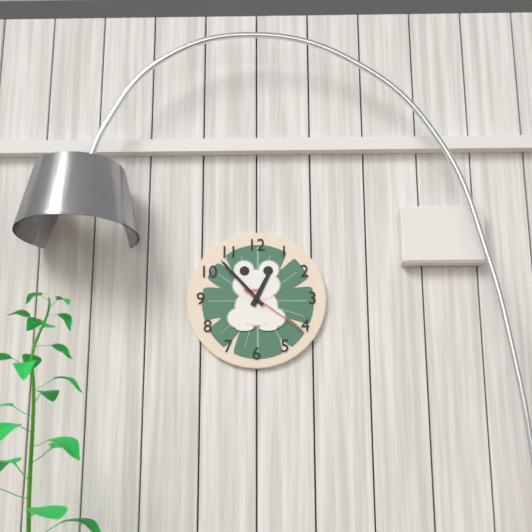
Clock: 12:53:21
